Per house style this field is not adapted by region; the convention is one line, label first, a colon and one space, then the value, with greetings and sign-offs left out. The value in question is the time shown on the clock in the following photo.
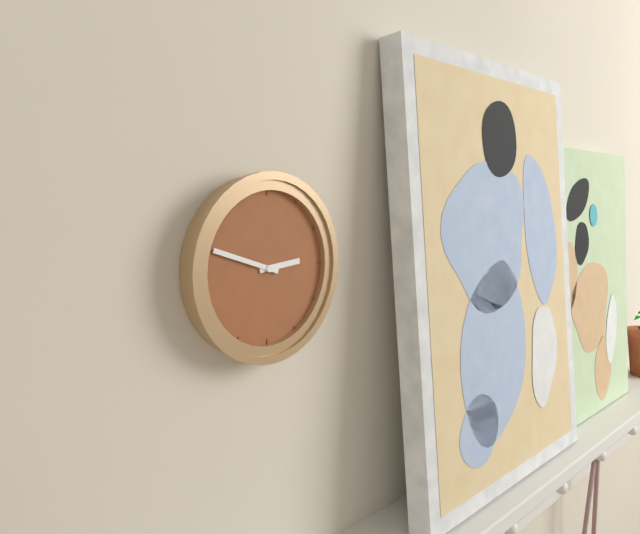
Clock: 2:48
